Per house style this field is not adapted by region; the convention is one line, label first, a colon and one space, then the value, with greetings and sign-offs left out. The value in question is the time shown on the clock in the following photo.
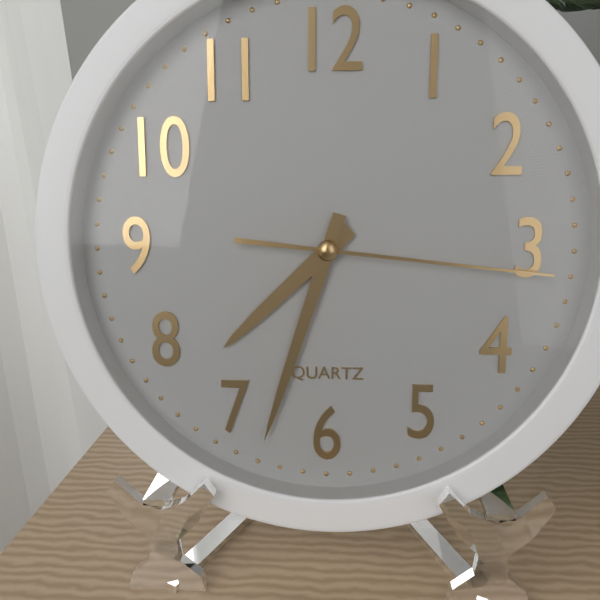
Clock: 7:33:16
